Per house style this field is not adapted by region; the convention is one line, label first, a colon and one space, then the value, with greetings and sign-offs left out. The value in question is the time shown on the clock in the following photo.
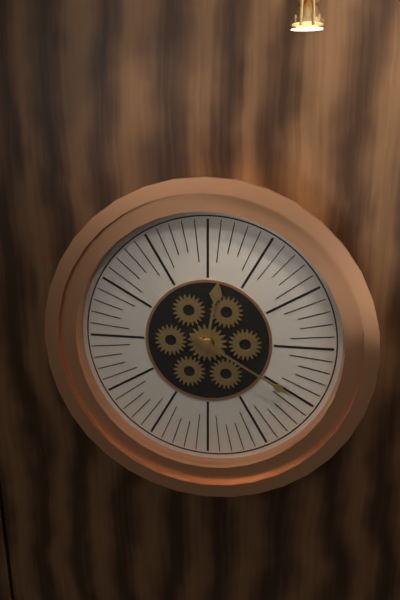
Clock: 12:20
